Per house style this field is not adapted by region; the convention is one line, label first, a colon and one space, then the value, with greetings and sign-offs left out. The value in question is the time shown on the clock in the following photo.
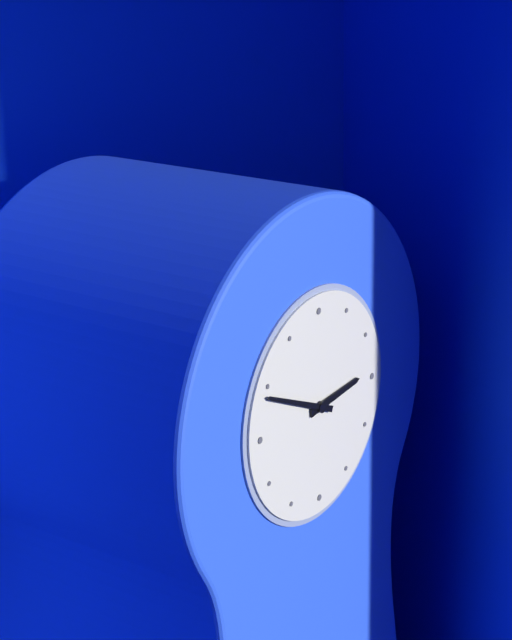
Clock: 2:49
